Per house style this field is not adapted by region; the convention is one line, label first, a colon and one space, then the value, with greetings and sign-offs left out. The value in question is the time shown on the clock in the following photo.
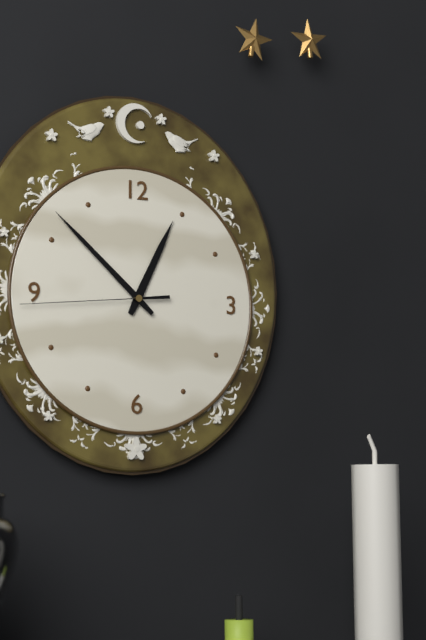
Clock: 12:52:44
